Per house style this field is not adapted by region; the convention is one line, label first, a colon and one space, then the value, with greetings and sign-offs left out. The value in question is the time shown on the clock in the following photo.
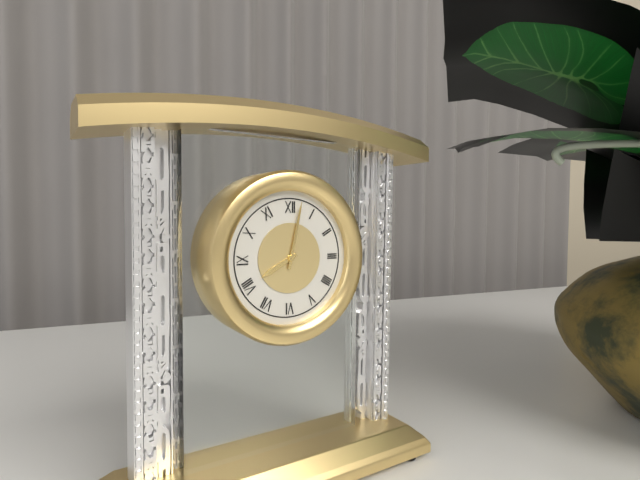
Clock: 8:02
